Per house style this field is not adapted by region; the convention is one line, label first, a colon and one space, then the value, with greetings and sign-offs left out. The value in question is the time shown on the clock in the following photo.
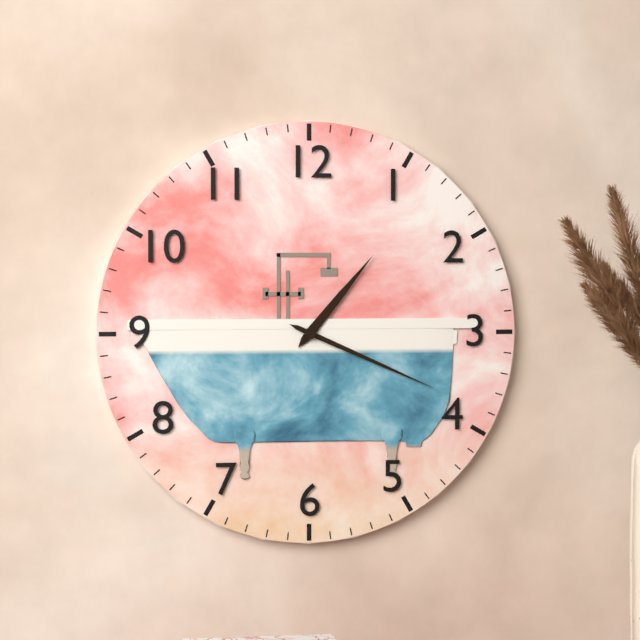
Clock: 1:19
